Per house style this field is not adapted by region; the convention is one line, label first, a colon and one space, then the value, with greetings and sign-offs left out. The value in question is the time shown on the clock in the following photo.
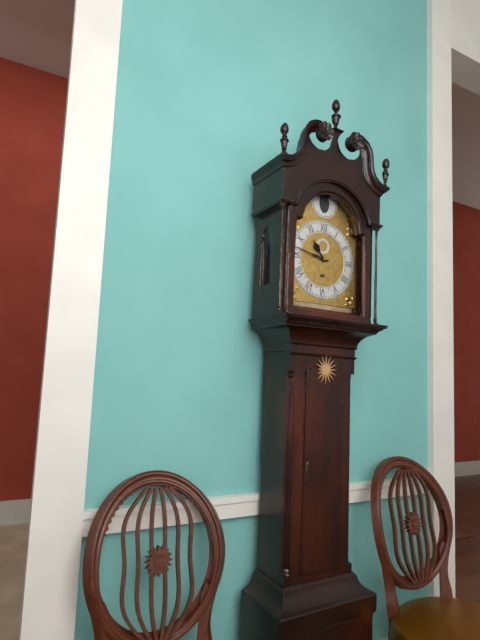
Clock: 10:47
